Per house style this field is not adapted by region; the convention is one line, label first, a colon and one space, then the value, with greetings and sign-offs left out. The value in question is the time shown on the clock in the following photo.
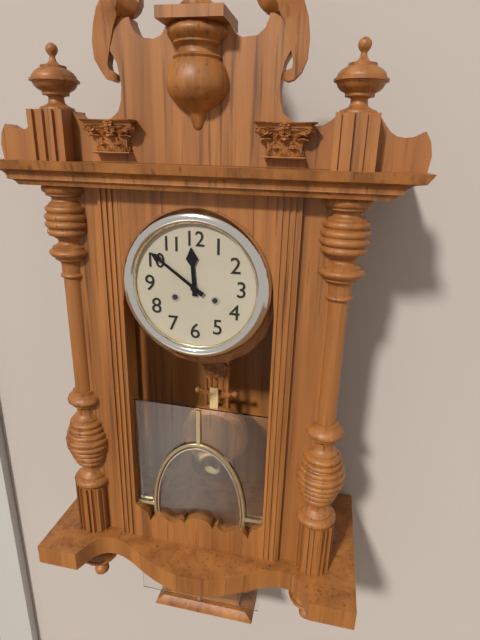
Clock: 11:51
